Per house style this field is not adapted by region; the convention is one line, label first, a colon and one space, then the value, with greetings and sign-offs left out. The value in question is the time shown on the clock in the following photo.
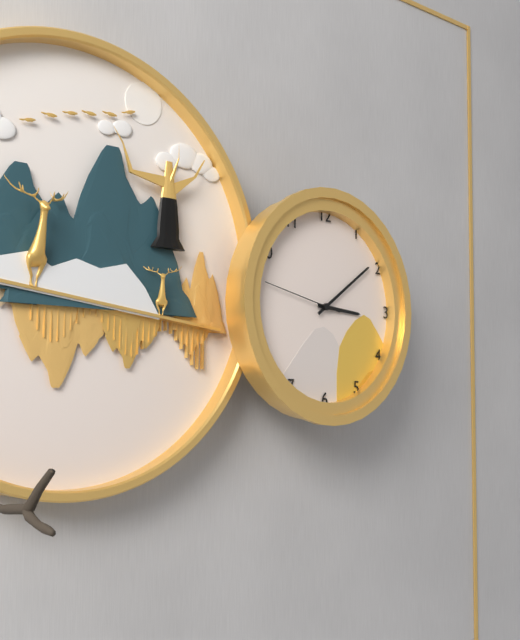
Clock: 3:09:47
